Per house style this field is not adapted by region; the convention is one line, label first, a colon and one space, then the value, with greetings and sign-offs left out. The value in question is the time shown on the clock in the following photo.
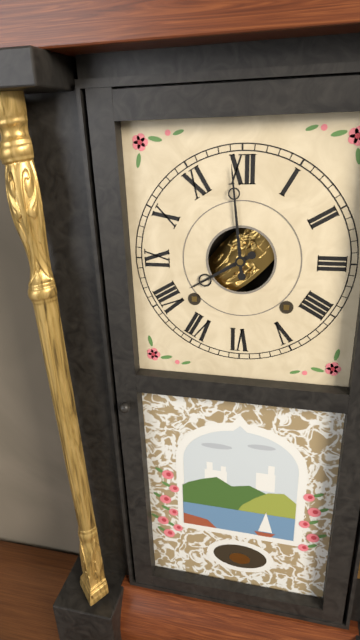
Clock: 7:59
